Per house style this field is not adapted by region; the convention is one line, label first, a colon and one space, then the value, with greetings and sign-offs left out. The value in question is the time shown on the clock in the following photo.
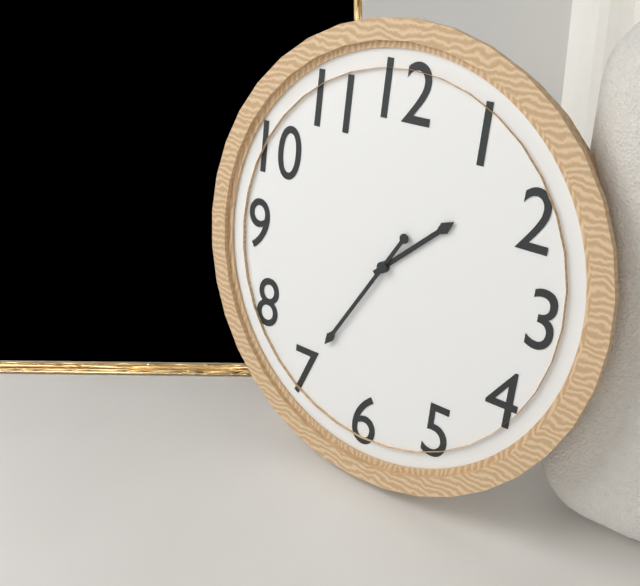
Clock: 1:35
